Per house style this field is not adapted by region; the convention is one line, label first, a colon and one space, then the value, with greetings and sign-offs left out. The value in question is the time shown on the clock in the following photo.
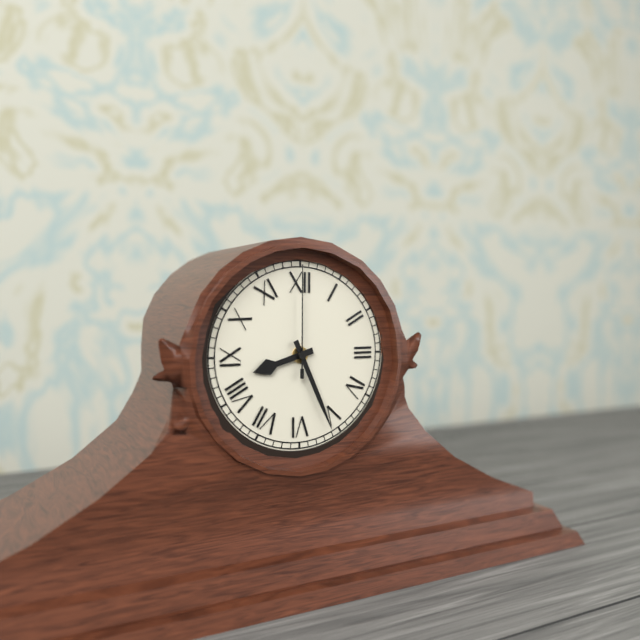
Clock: 8:26:00
